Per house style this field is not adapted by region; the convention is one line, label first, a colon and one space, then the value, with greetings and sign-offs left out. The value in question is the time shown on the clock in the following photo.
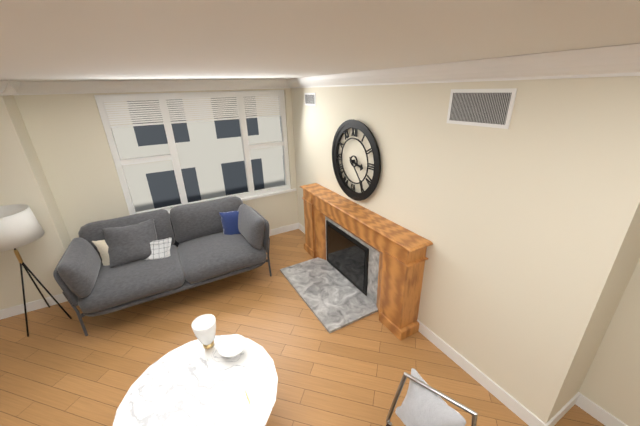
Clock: 3:23
